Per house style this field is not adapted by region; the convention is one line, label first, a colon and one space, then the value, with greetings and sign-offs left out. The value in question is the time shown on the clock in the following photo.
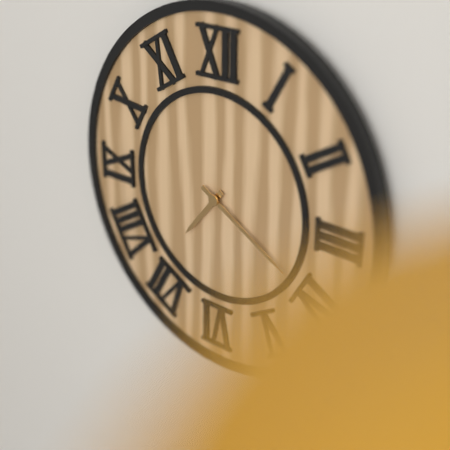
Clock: 7:20
